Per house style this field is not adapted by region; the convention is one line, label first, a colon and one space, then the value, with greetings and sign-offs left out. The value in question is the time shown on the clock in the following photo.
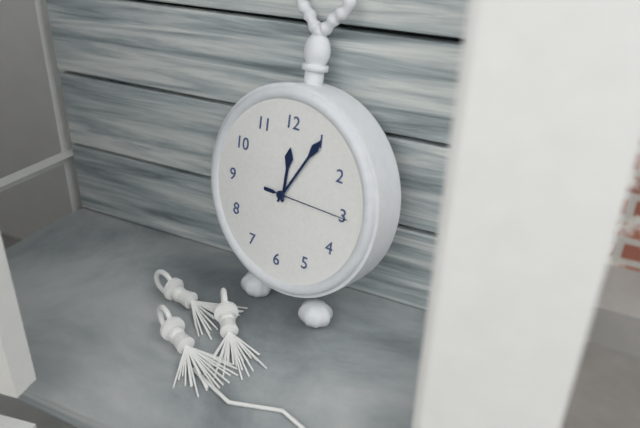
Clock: 12:05:15
